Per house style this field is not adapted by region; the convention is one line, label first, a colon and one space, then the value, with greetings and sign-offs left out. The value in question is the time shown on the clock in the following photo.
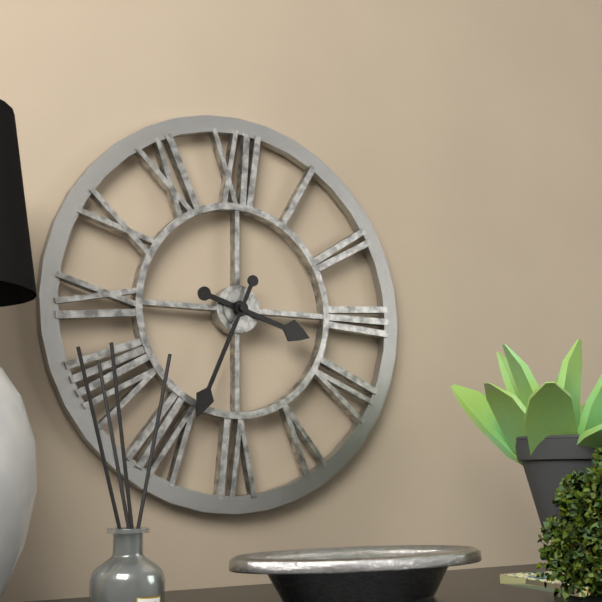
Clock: 3:34
